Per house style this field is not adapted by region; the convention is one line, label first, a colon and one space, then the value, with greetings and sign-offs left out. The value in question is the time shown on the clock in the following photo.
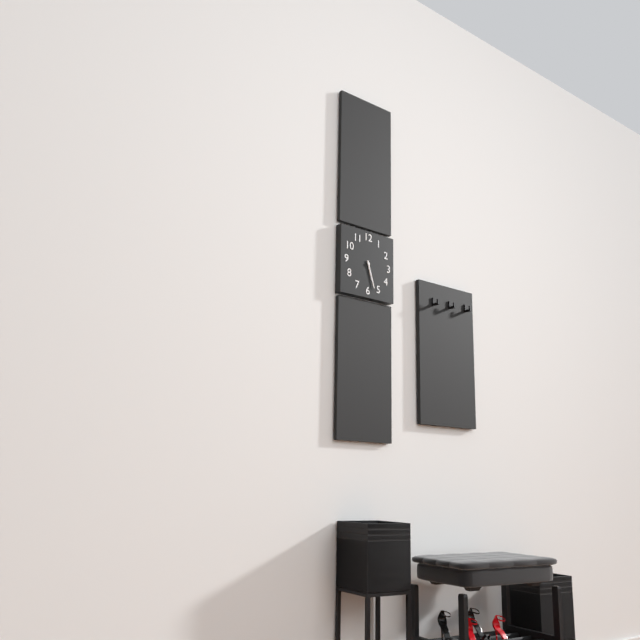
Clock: 5:27
